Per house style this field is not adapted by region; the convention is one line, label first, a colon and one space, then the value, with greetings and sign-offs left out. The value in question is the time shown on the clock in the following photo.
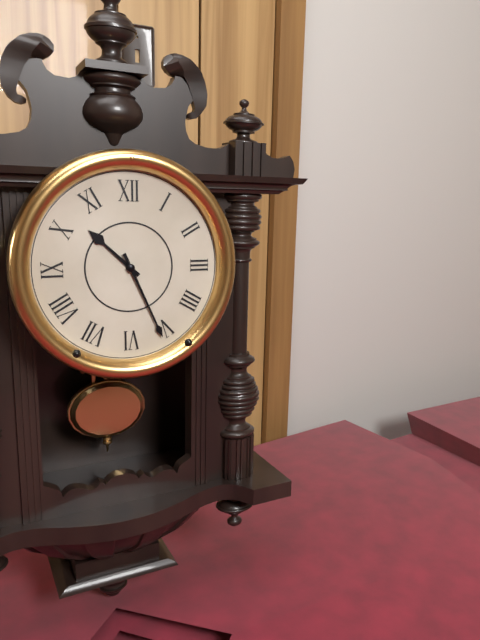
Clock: 10:26
